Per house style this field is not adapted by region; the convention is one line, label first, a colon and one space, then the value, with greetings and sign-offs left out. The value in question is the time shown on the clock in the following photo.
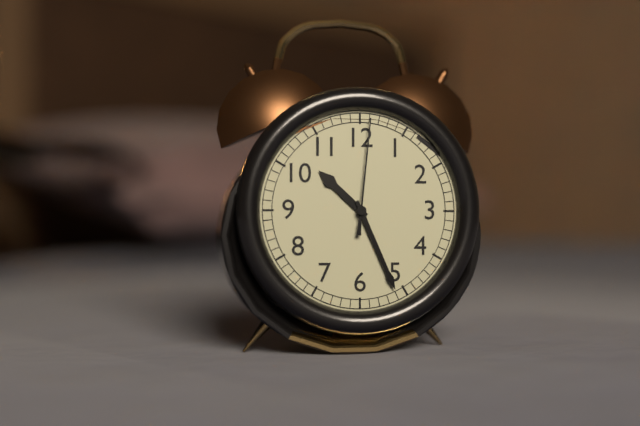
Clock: 10:26:01
